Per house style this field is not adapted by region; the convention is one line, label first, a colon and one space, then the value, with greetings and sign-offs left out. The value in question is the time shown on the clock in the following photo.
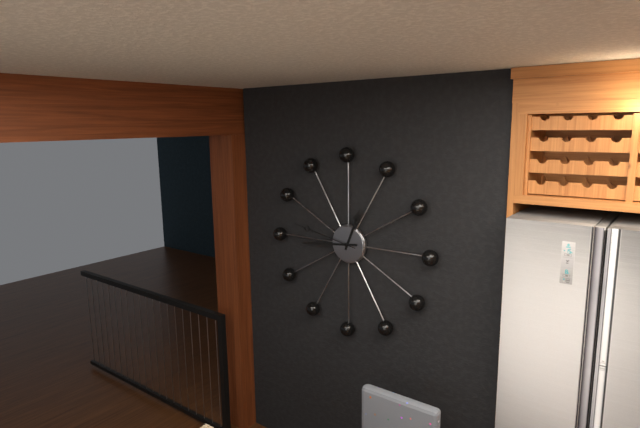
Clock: 12:44:47
